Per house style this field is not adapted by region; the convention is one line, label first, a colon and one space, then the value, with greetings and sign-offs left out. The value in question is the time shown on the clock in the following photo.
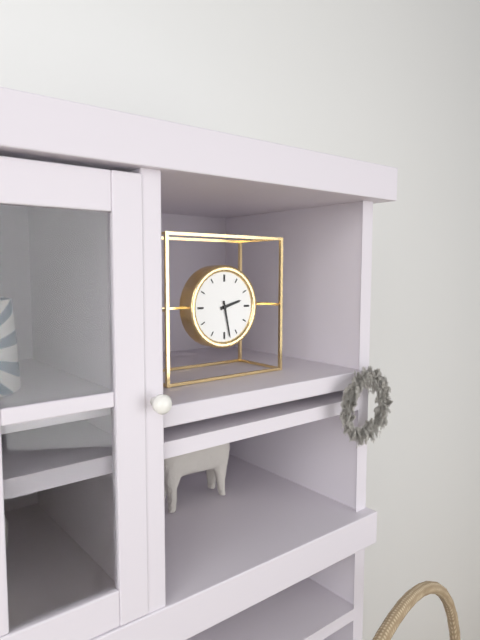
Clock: 2:28
